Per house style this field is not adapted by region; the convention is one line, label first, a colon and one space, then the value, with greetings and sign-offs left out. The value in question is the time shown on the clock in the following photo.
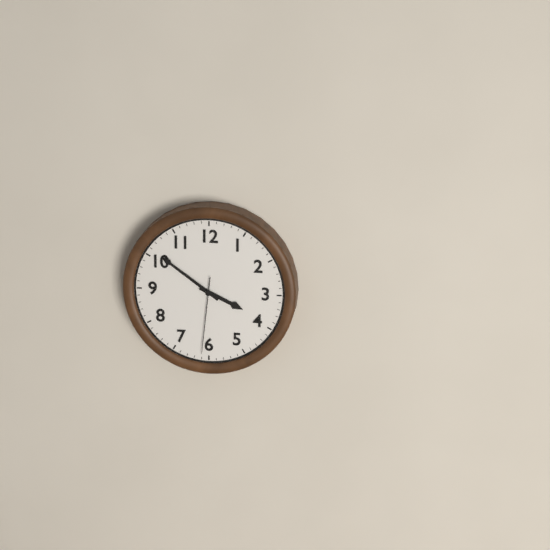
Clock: 3:51:31
